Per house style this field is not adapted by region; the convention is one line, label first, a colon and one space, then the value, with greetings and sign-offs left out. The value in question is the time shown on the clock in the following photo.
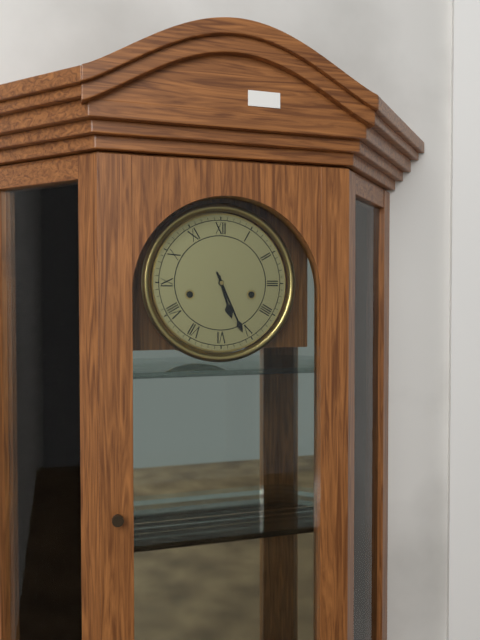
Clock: 5:26
